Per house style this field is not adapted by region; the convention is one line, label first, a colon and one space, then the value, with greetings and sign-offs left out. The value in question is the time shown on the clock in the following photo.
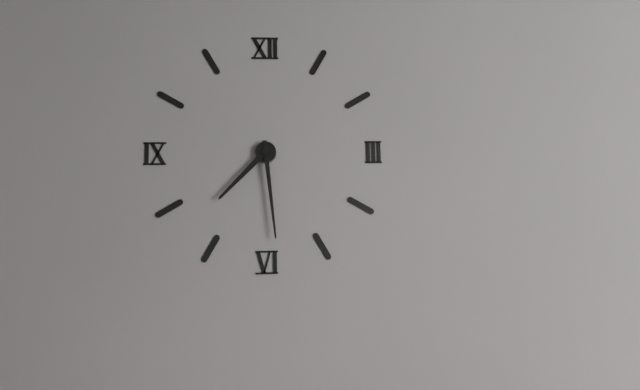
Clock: 7:29
